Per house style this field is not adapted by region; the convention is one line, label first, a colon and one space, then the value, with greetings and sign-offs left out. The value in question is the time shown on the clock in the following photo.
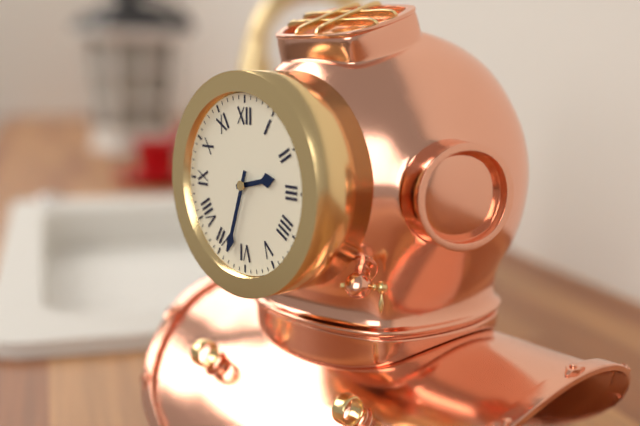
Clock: 2:33
